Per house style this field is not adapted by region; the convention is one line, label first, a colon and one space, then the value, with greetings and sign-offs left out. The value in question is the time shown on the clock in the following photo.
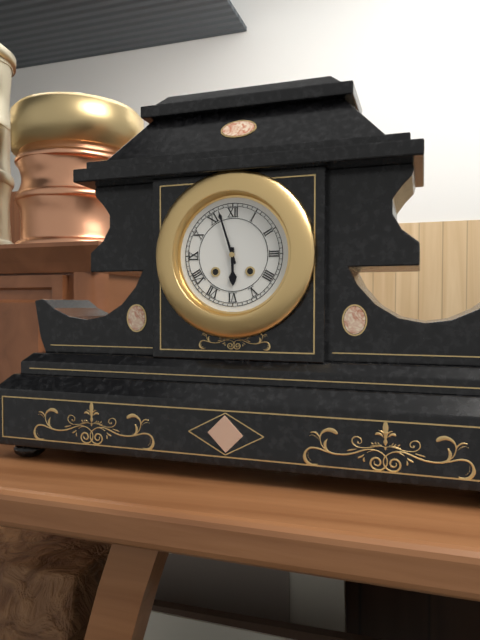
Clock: 5:57
